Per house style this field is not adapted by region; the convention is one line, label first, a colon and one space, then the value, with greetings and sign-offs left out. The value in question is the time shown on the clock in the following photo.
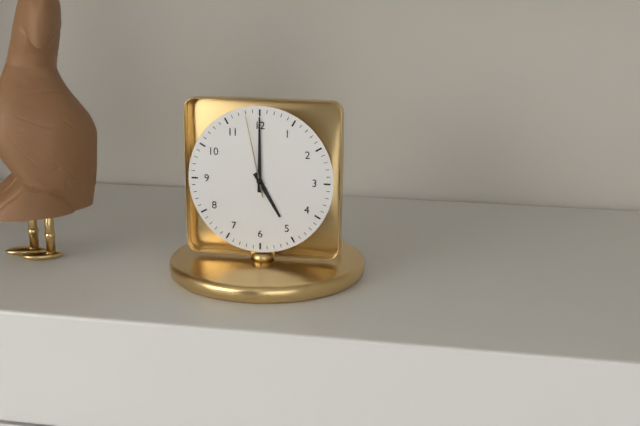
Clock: 5:00:58
